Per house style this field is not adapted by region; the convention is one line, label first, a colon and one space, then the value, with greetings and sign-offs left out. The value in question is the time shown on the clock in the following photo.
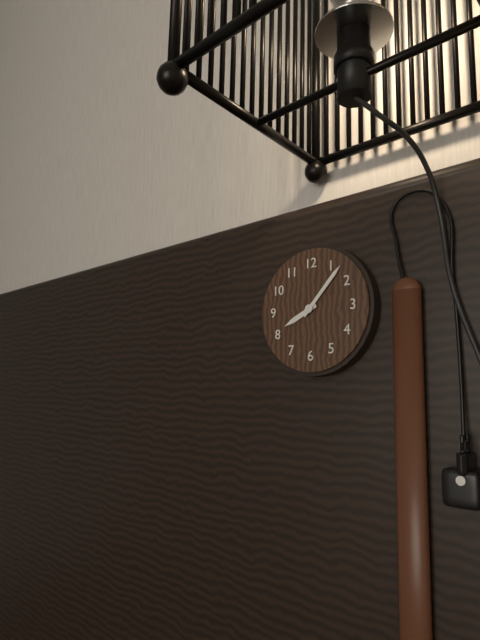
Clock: 8:07
